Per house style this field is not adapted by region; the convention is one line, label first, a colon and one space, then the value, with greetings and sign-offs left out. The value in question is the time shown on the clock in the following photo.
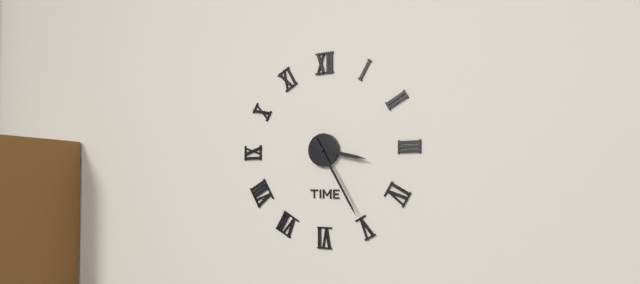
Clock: 3:25
